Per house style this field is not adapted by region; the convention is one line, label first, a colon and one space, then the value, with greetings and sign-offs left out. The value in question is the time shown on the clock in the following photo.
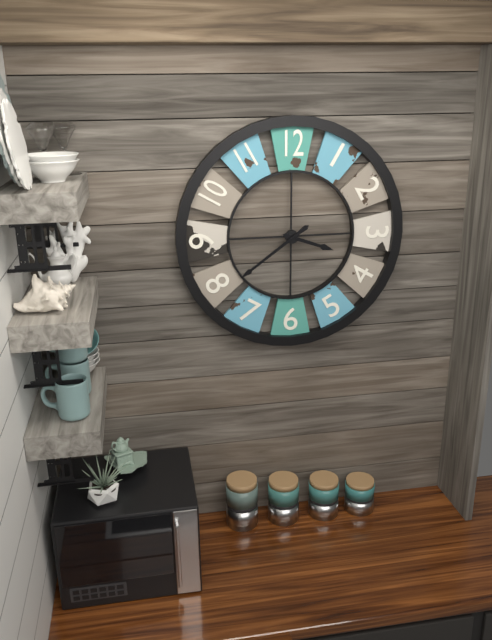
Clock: 3:39
